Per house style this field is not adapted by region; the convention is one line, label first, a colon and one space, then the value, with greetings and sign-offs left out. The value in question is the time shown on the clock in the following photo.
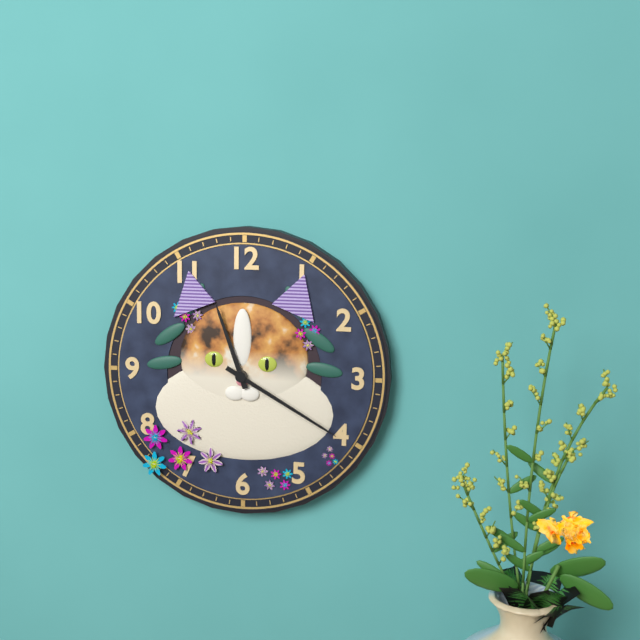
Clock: 11:20
